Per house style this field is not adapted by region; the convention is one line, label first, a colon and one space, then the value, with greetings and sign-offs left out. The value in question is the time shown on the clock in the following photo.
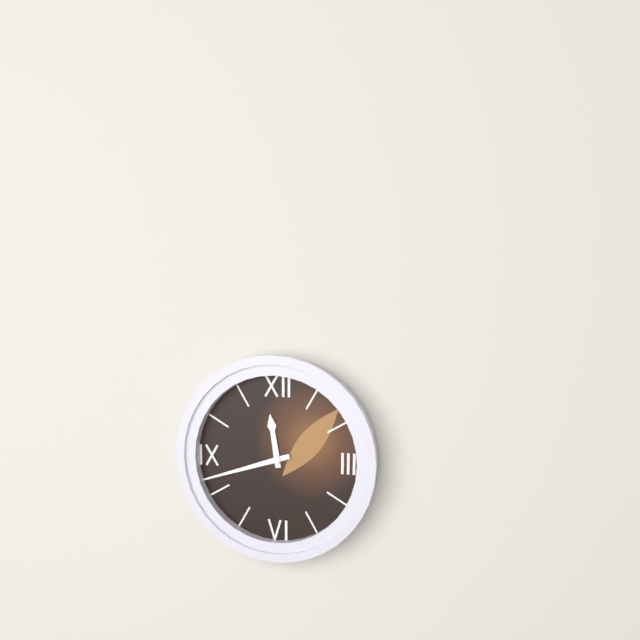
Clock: 11:42
